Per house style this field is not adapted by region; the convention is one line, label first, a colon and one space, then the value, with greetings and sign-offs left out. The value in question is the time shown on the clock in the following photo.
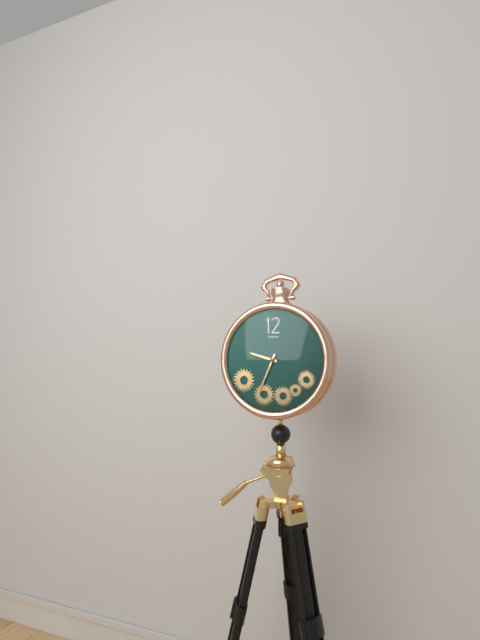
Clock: 9:34
